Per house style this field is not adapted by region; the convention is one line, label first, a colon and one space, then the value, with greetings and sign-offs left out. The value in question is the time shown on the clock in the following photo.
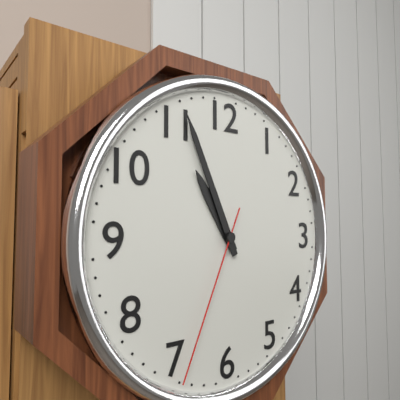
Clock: 10:56:34
